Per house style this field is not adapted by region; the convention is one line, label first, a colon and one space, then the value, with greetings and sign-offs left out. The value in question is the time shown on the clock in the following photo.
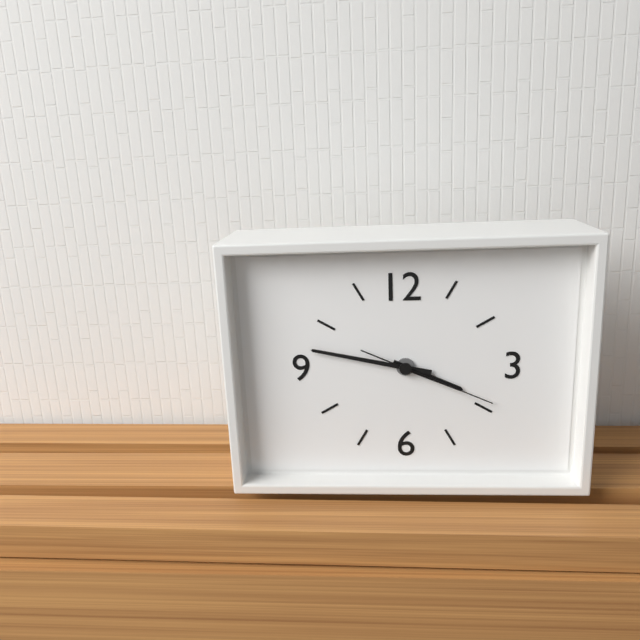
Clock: 3:47:19
